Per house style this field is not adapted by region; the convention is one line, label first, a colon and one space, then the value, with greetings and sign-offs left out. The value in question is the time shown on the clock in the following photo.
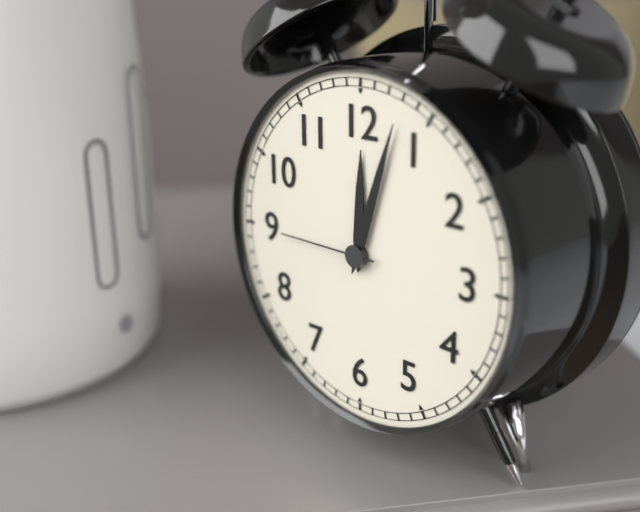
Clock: 12:03:45
